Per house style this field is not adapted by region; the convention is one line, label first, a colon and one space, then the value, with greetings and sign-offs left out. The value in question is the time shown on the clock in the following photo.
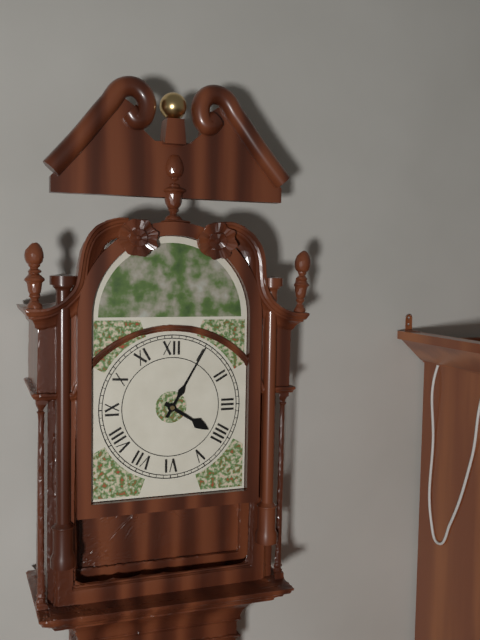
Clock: 4:05
